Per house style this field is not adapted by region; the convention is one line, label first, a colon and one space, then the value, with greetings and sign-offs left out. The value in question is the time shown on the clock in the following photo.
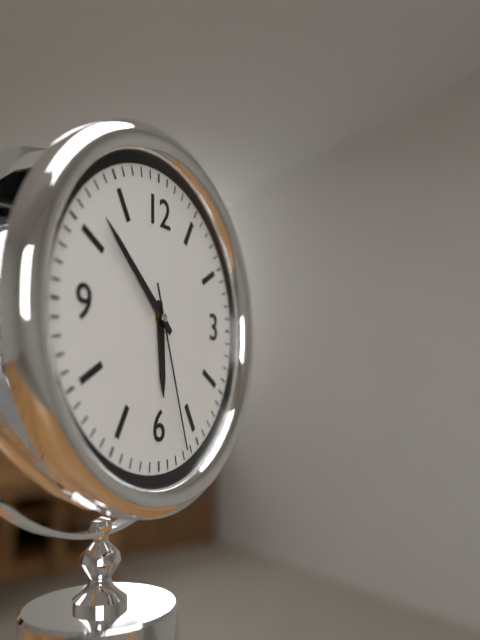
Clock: 5:52:27
